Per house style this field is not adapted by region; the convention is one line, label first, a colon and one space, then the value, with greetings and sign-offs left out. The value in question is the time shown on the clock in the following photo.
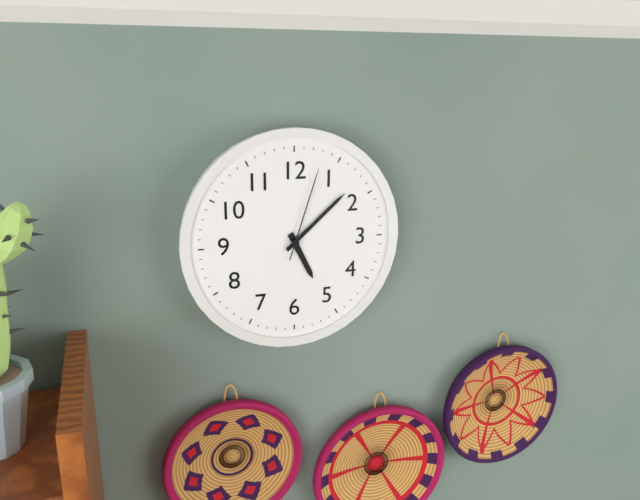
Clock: 5:08:03
